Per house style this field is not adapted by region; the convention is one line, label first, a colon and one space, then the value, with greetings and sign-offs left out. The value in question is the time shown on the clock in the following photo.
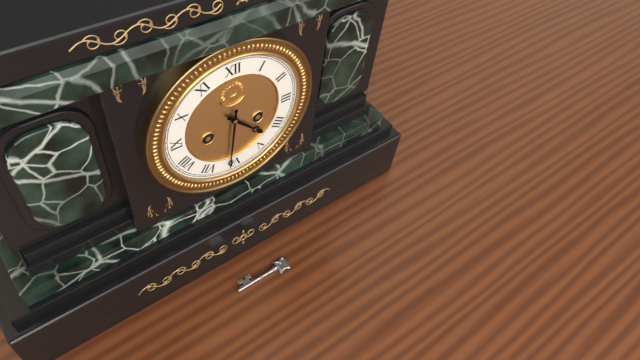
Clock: 4:31
